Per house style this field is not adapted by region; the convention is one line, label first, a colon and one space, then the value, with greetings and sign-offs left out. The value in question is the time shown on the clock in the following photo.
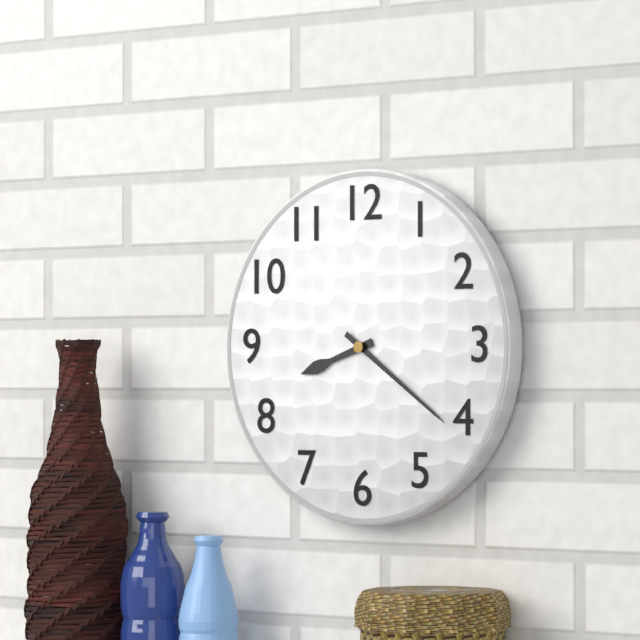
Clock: 8:21
